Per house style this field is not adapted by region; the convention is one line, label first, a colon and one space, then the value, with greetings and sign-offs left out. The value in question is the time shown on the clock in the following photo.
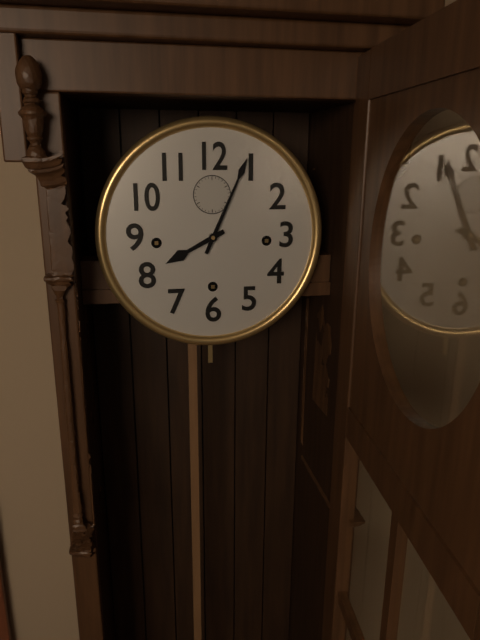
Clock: 8:04
